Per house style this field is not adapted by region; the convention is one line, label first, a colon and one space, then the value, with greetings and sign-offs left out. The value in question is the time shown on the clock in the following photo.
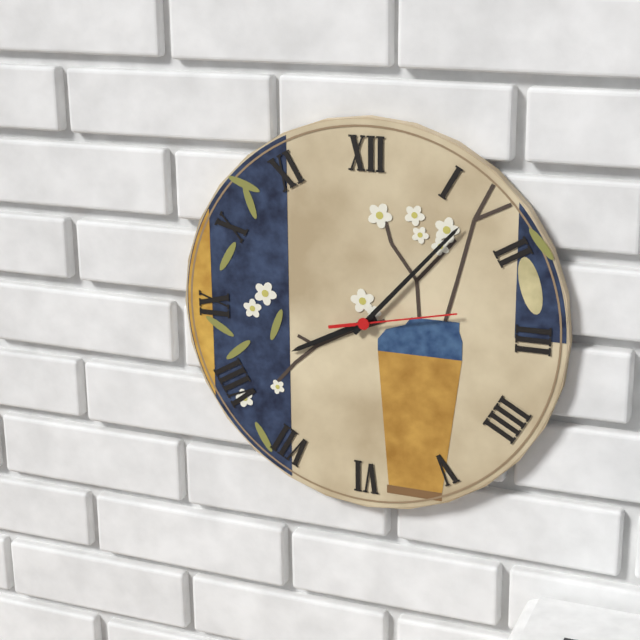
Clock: 8:07:13
